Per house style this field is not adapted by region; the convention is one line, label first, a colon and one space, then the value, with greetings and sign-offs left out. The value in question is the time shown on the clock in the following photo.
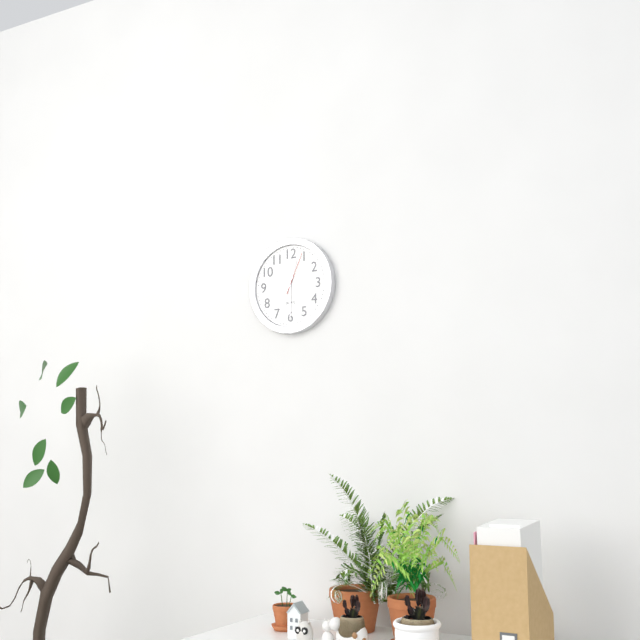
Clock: 12:30
